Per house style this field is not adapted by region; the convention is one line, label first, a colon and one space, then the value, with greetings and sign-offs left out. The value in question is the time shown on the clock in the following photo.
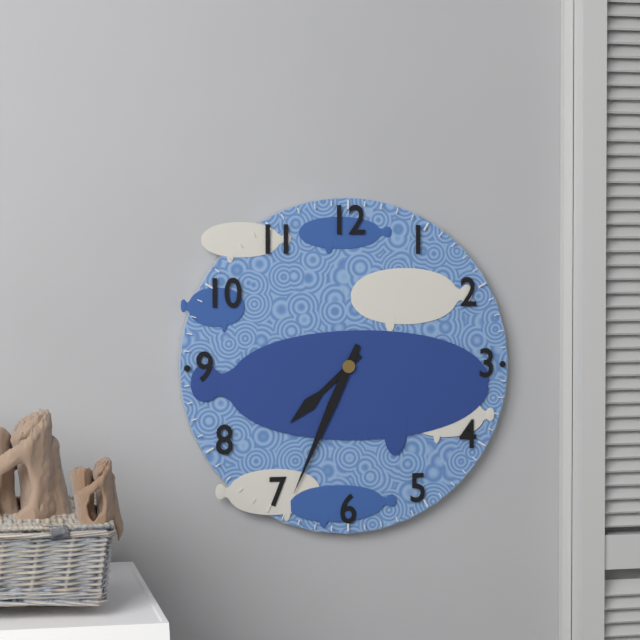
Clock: 7:34
